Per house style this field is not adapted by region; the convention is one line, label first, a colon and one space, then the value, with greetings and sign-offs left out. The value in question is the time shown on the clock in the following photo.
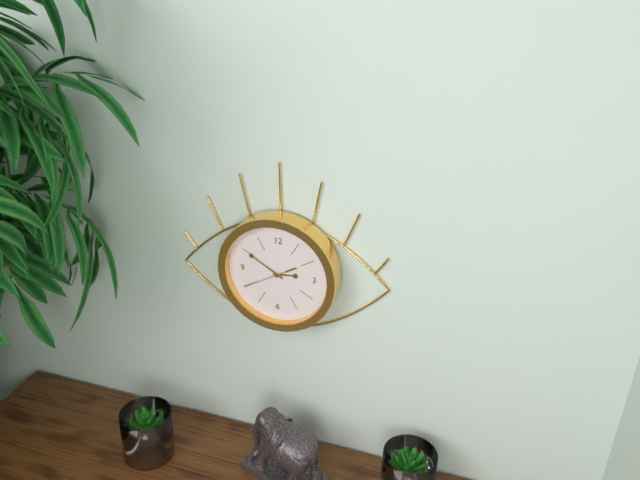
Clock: 2:50
